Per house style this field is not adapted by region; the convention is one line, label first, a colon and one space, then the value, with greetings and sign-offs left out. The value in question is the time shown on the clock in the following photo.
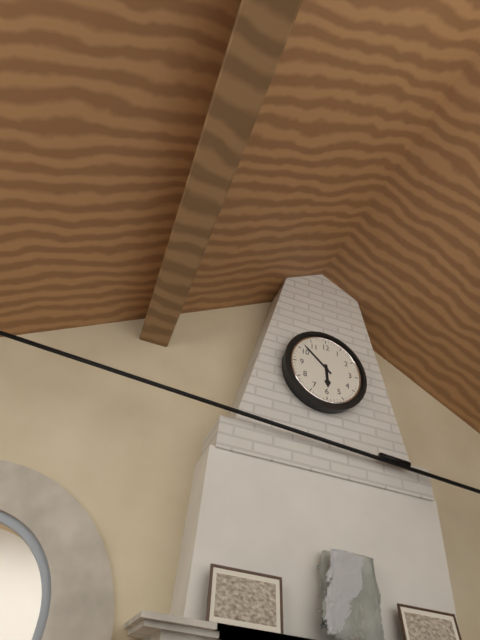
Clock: 5:52
